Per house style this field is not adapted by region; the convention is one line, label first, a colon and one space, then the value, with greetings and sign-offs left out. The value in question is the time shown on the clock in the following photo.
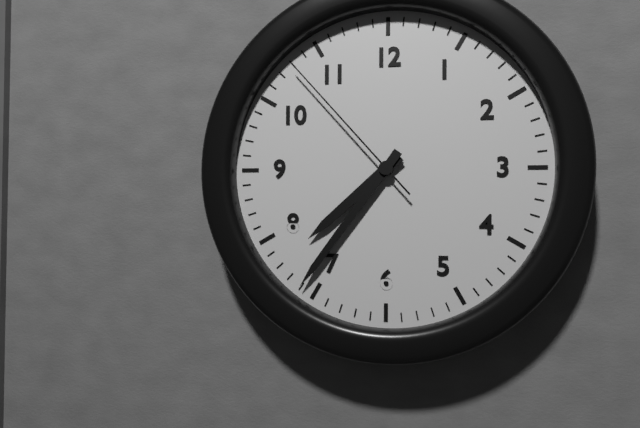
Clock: 7:36:53
